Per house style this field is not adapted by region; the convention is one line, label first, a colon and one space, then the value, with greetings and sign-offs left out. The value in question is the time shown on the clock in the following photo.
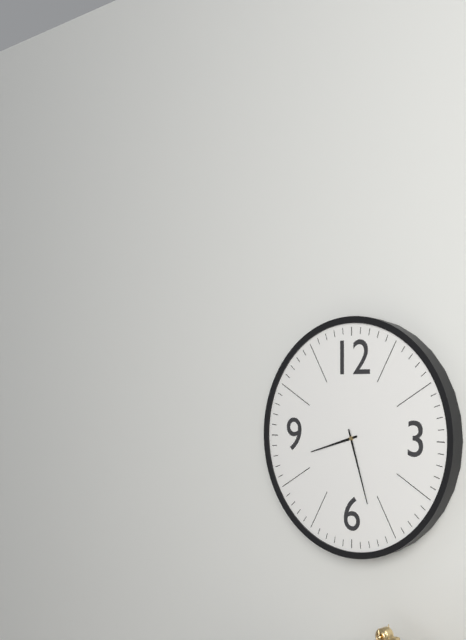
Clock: 8:27
